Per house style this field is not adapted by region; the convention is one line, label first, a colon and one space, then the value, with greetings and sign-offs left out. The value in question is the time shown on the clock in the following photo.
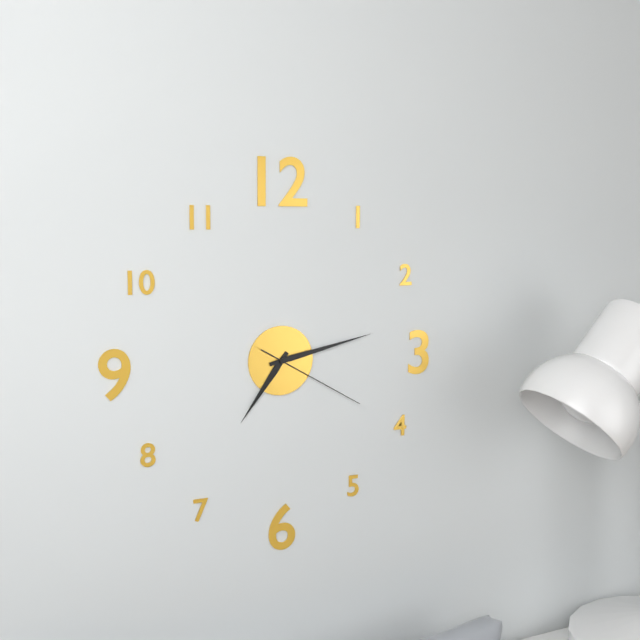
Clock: 7:13:20
